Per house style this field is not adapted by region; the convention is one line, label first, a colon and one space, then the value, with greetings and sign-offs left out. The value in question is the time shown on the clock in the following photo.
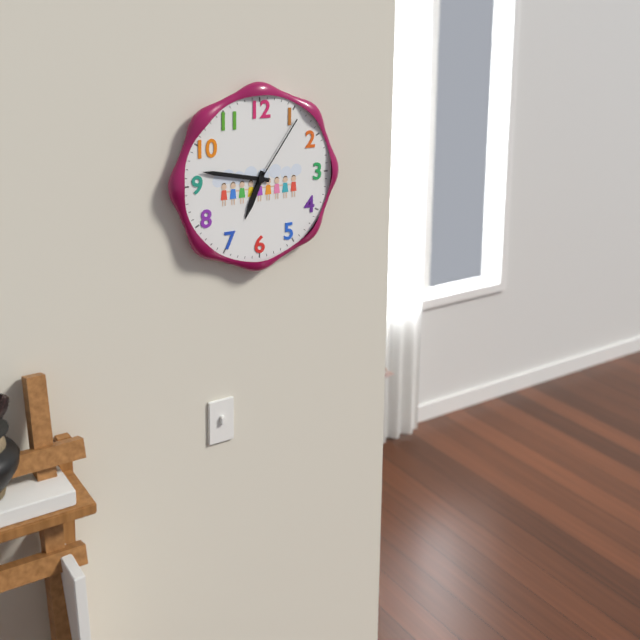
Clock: 6:47:06
